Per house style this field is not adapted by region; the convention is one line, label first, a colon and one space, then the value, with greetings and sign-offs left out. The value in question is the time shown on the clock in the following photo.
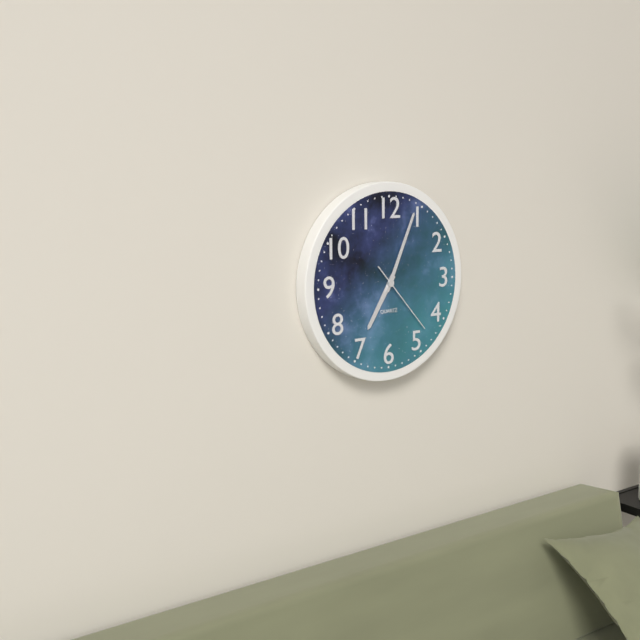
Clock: 7:04:23
